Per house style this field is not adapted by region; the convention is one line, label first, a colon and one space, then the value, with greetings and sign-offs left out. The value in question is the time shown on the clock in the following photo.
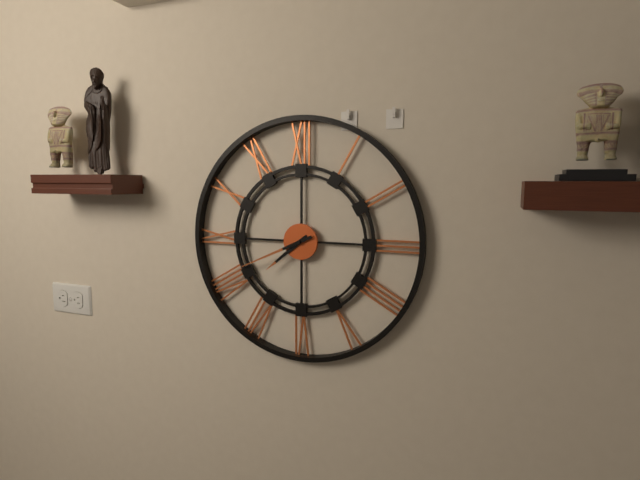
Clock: 7:41
